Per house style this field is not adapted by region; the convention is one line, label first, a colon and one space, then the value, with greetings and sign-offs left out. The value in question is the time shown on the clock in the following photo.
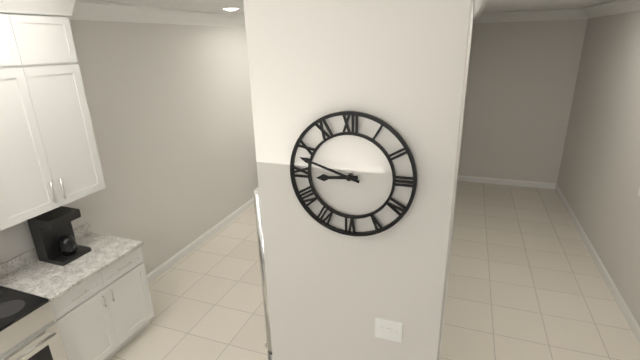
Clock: 8:48
